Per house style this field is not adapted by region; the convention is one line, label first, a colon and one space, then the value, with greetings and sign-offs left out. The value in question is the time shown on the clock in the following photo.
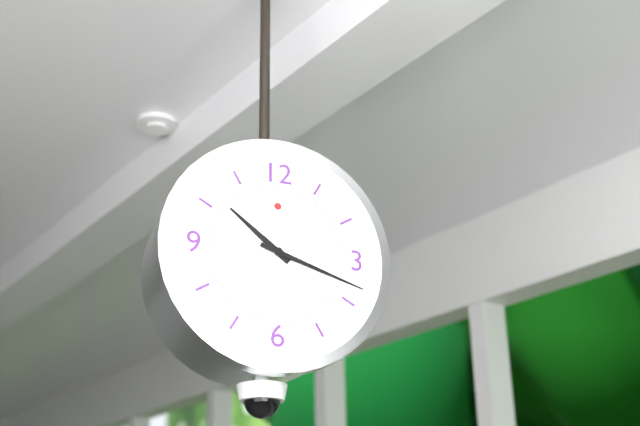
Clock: 10:18
